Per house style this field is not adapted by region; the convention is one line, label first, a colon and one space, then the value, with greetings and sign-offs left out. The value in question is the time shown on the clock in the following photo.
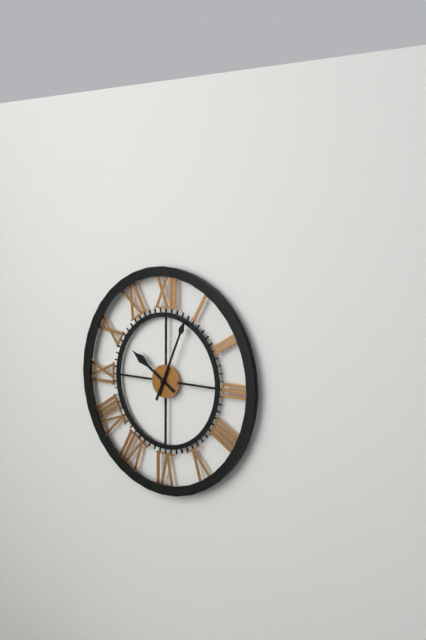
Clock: 10:04
